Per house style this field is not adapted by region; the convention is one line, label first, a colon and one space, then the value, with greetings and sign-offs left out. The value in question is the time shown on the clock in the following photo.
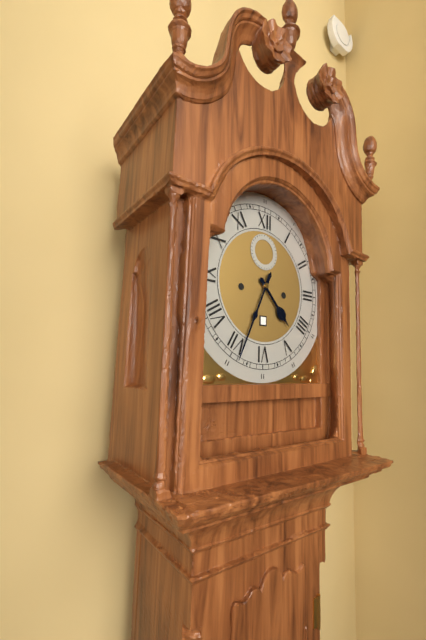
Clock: 4:34
